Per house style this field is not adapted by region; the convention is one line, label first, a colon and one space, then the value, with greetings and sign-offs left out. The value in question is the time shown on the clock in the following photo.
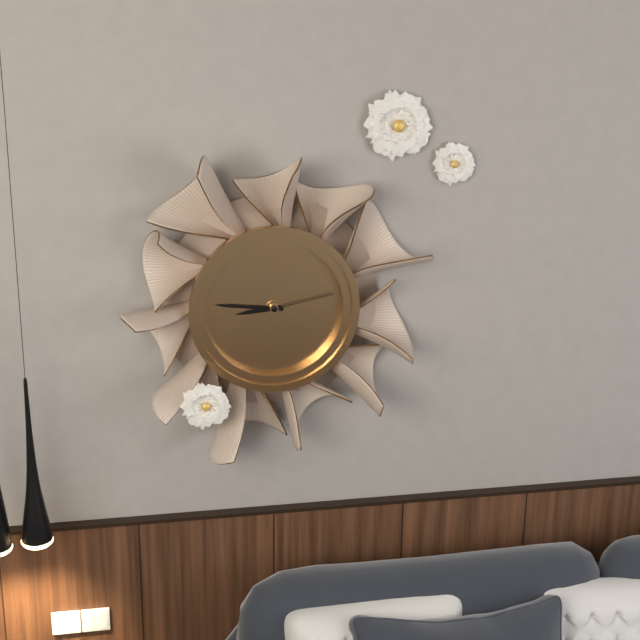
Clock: 8:46:13
